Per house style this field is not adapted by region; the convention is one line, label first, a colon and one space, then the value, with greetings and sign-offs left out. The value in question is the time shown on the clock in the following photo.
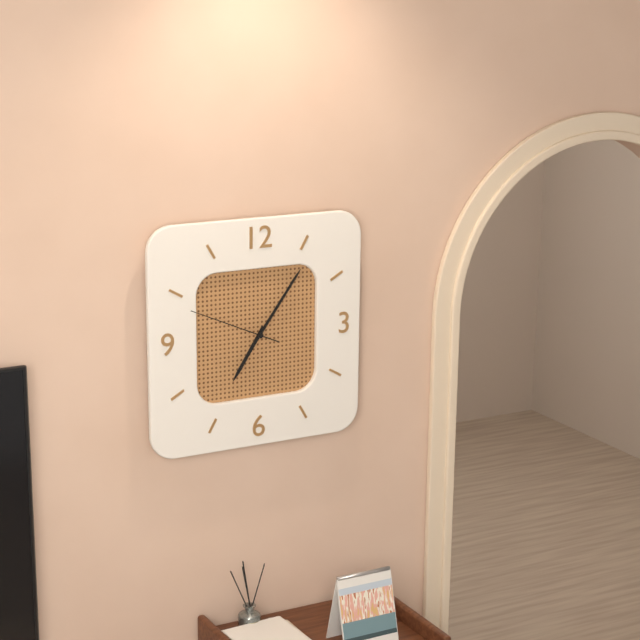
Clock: 7:06:49
